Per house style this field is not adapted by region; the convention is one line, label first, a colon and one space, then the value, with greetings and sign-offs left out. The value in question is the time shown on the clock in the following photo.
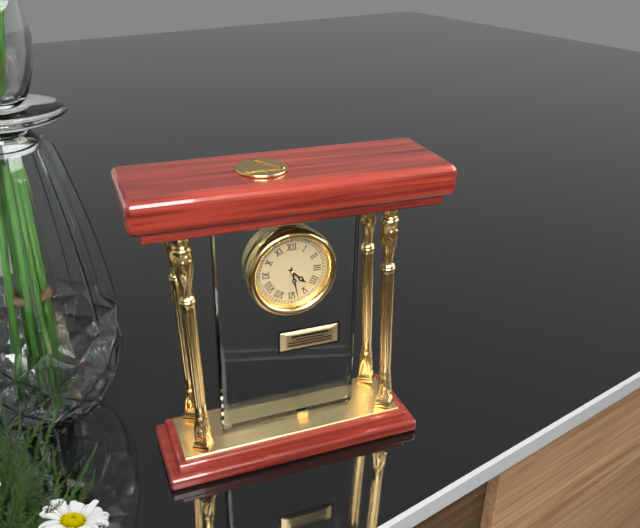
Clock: 4:28
